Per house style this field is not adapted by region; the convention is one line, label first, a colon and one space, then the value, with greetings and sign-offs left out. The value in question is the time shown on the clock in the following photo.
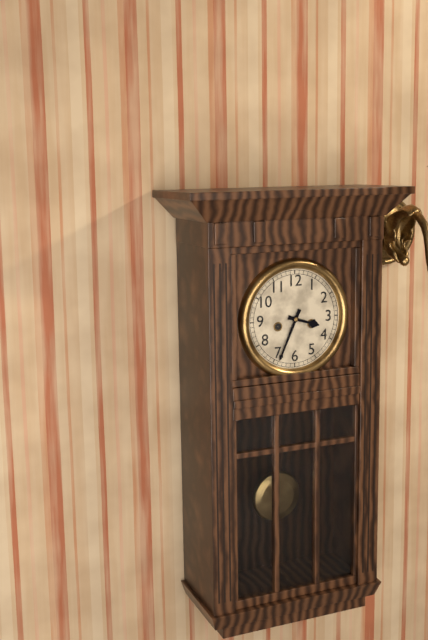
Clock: 3:34
